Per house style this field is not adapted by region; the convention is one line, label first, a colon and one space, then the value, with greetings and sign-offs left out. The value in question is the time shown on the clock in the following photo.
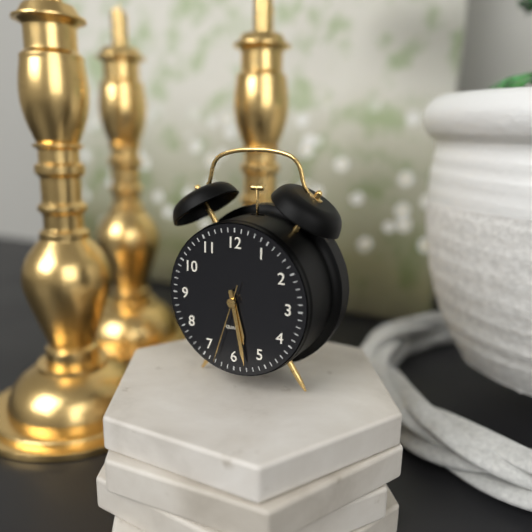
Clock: 5:28:33
